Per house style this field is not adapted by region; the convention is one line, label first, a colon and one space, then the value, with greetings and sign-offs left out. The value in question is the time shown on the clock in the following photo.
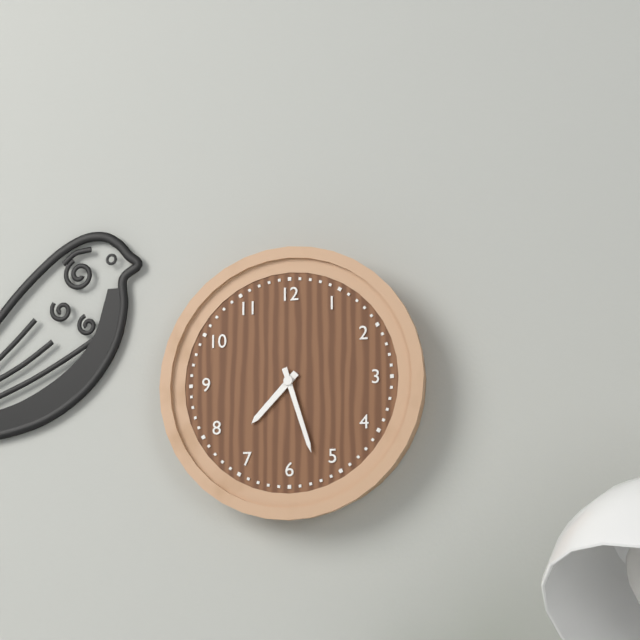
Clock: 7:27
